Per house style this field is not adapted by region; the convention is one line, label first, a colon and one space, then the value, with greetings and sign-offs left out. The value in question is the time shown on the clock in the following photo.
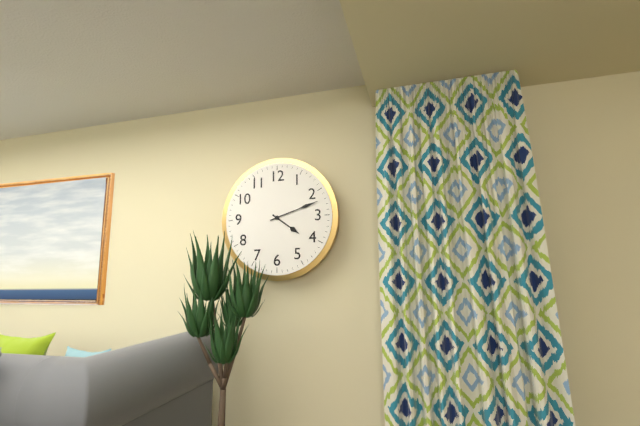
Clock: 4:12
